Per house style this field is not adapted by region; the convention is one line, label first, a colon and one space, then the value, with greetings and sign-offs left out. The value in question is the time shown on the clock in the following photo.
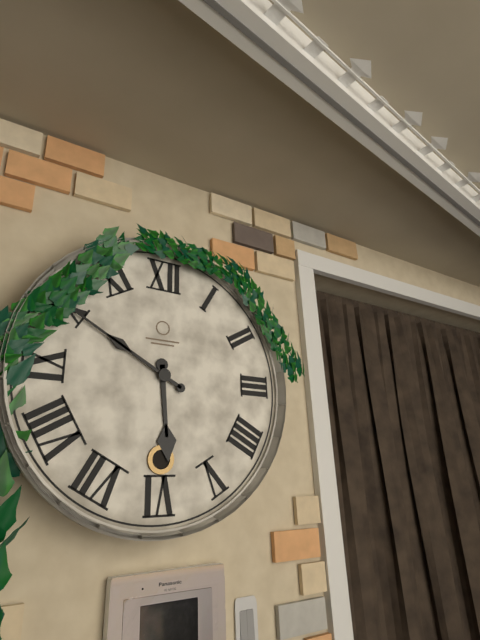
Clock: 5:50
